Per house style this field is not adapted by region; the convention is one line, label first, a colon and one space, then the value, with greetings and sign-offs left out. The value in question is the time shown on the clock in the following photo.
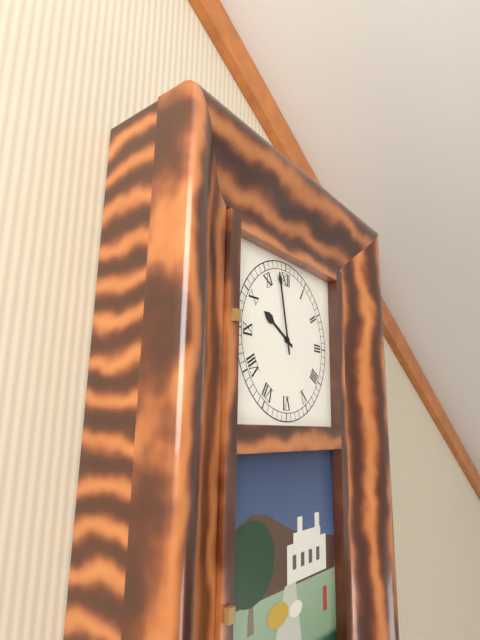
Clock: 9:58
